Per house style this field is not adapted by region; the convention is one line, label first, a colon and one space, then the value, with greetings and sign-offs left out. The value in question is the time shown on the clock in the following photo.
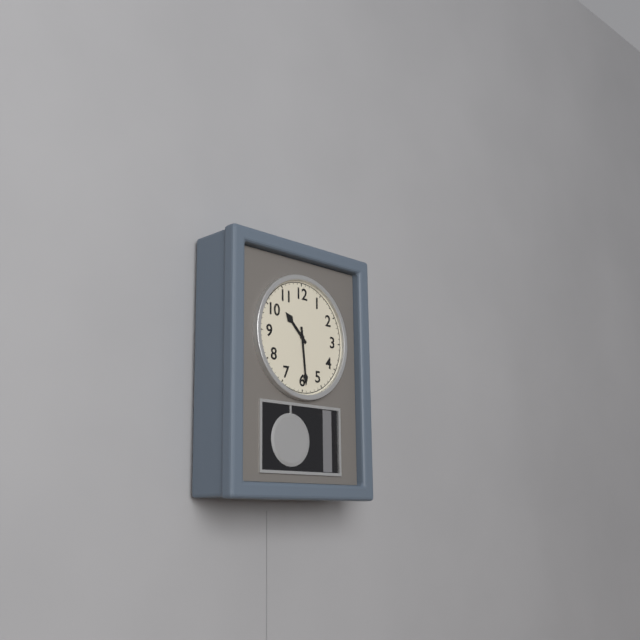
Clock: 10:29
